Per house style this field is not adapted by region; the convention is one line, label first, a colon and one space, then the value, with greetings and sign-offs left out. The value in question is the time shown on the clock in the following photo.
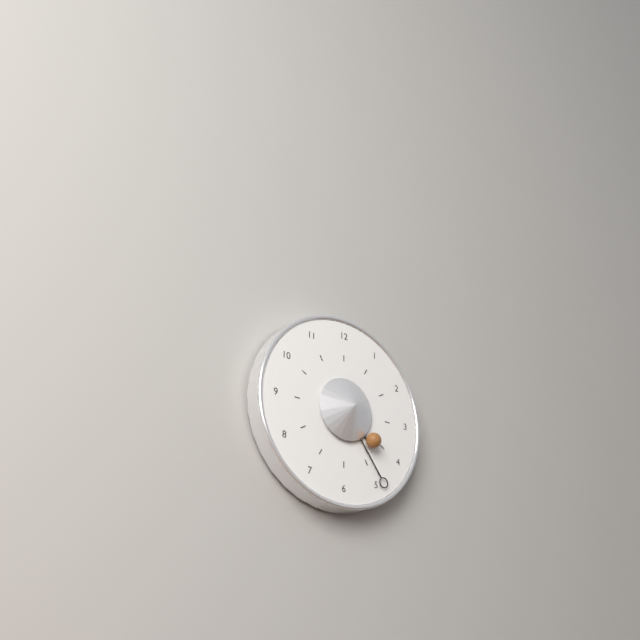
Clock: 4:24
